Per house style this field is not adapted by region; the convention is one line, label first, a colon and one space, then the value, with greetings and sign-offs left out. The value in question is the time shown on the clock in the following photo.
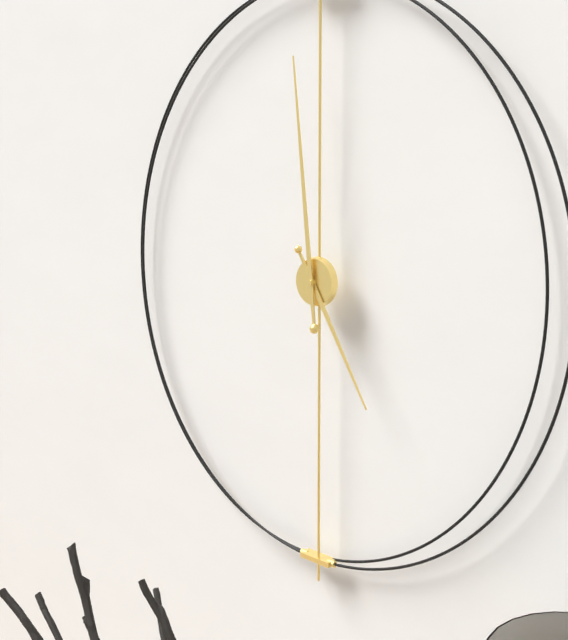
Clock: 4:59
